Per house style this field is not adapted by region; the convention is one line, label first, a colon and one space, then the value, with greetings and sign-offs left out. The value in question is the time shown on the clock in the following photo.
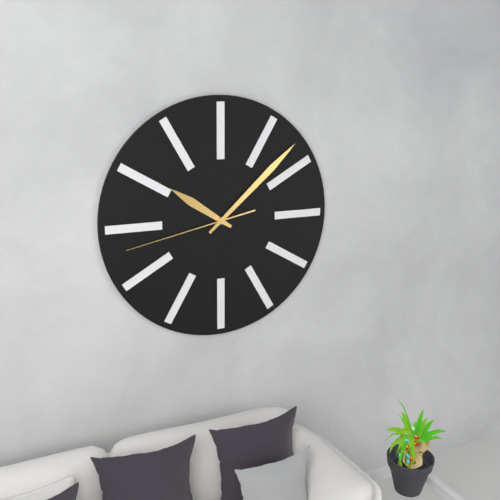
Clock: 10:08:43
